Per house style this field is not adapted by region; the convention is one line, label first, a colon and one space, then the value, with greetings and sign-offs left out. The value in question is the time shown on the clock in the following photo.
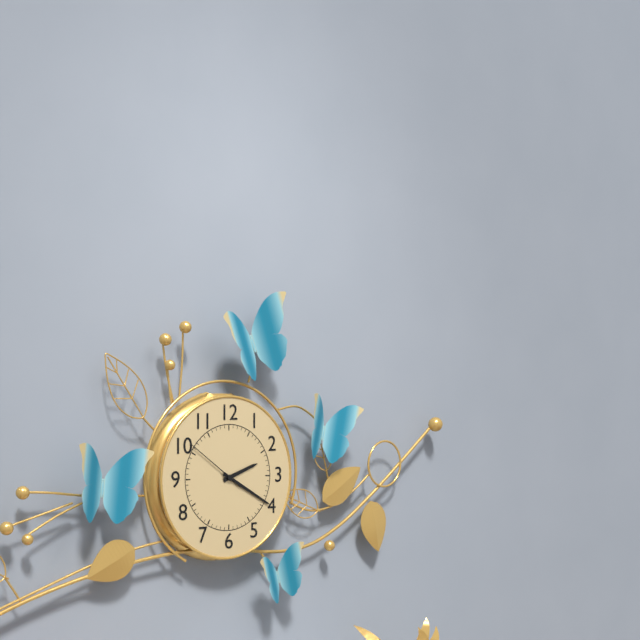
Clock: 2:20:51
